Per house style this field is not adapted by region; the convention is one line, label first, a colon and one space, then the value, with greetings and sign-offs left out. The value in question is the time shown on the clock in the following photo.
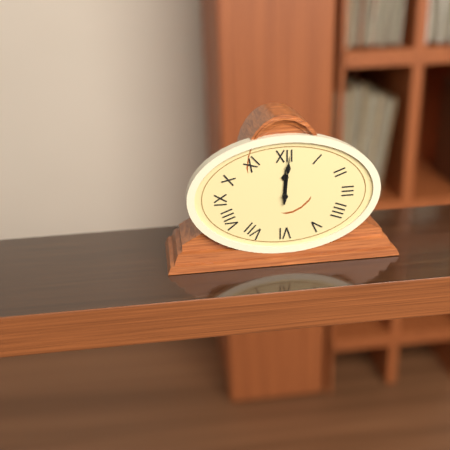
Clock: 12:01
